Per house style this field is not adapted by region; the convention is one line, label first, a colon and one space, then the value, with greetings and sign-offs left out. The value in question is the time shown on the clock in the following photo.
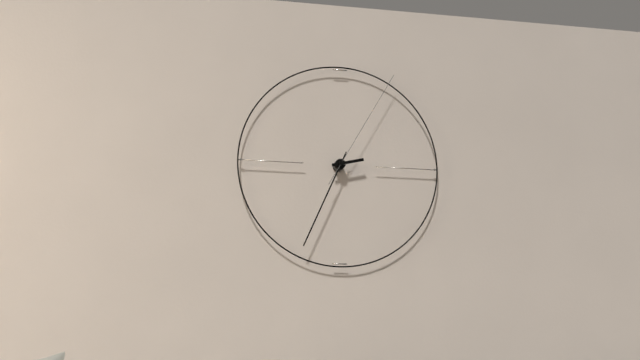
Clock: 2:34:05
